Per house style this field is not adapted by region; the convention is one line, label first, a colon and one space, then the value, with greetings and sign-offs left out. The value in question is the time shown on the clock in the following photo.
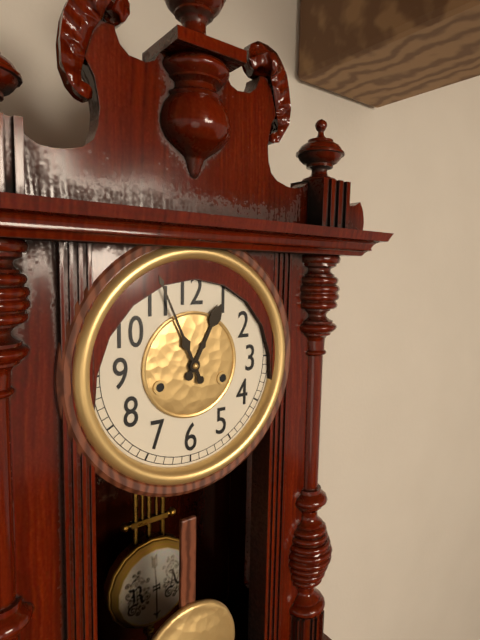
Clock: 12:56
